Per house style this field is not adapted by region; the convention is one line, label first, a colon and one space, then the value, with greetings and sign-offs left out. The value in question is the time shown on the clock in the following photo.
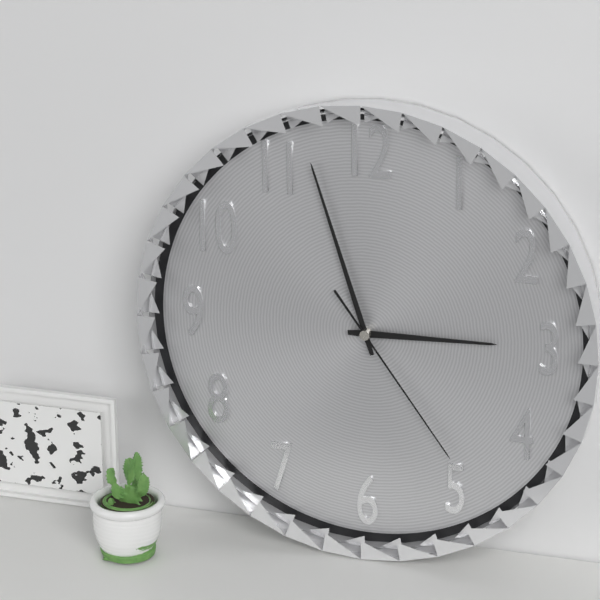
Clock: 2:57:24
